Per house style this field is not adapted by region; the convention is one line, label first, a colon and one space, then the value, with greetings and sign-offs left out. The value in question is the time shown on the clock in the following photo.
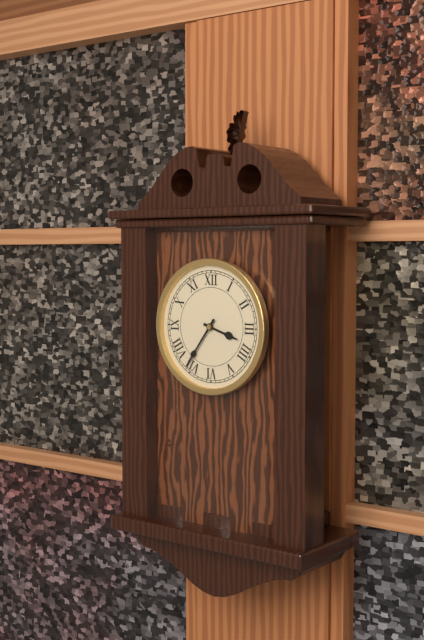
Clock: 3:36
